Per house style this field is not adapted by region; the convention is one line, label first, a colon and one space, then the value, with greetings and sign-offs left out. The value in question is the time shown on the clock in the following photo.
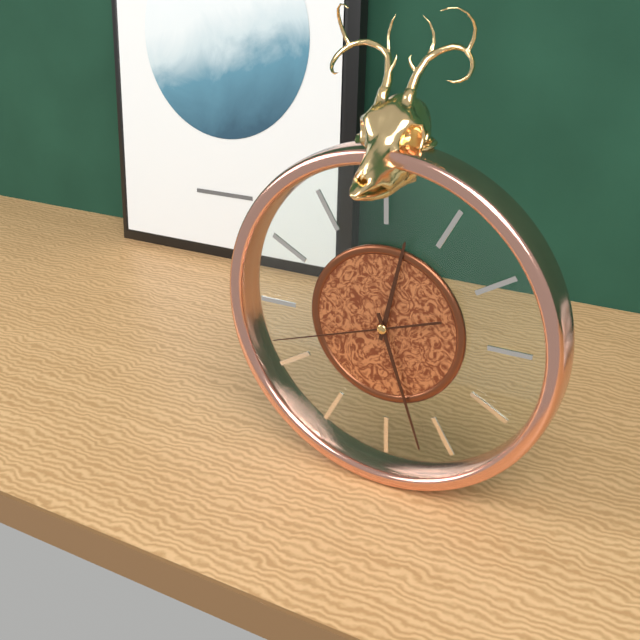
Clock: 12:27:42
